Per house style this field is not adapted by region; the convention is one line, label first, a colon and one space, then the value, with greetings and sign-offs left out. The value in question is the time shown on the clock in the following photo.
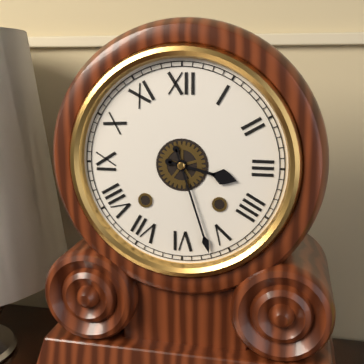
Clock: 3:27
